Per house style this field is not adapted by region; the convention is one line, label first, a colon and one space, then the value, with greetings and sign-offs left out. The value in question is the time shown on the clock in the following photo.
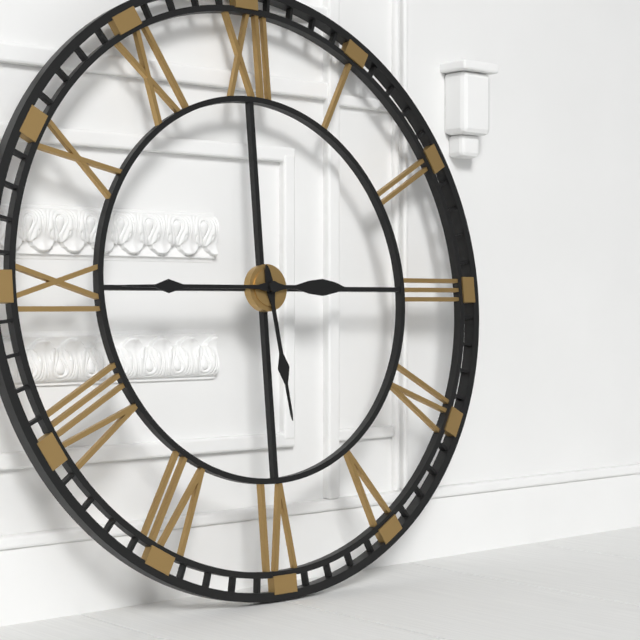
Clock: 5:45
